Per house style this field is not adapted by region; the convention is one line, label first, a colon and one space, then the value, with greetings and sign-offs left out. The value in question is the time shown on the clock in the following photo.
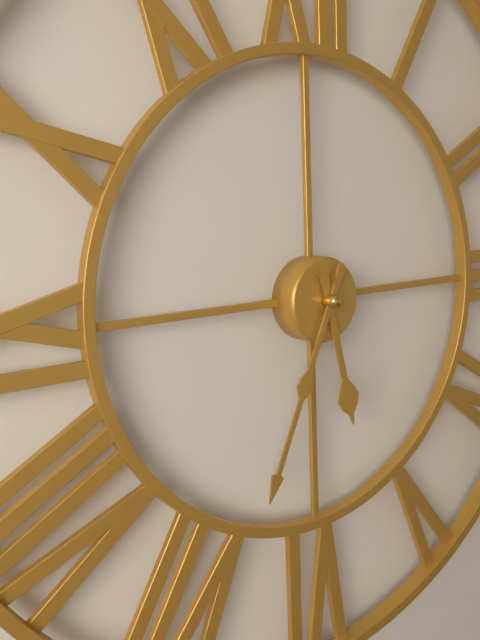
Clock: 5:34
